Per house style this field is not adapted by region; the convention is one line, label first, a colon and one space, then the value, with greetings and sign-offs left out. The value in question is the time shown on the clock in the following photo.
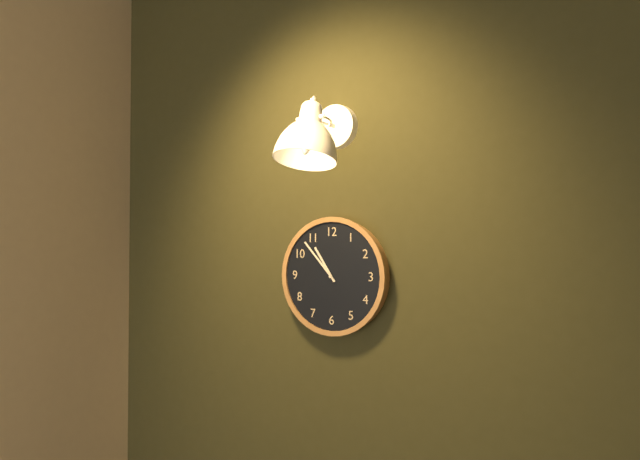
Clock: 10:53
